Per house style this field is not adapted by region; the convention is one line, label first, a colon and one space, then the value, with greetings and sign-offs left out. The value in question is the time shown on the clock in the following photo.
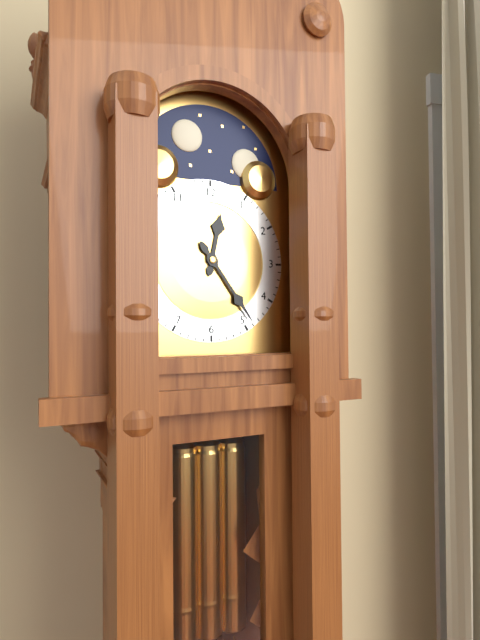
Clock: 12:24
